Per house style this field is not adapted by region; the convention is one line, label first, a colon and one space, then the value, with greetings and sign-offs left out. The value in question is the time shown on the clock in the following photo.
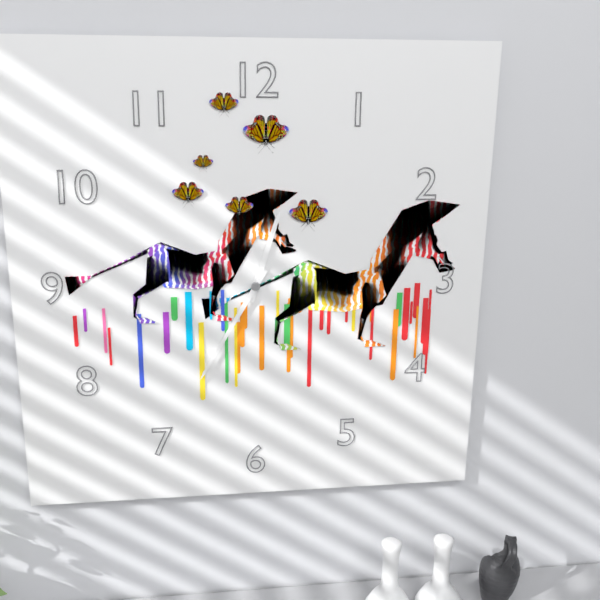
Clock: 12:35
